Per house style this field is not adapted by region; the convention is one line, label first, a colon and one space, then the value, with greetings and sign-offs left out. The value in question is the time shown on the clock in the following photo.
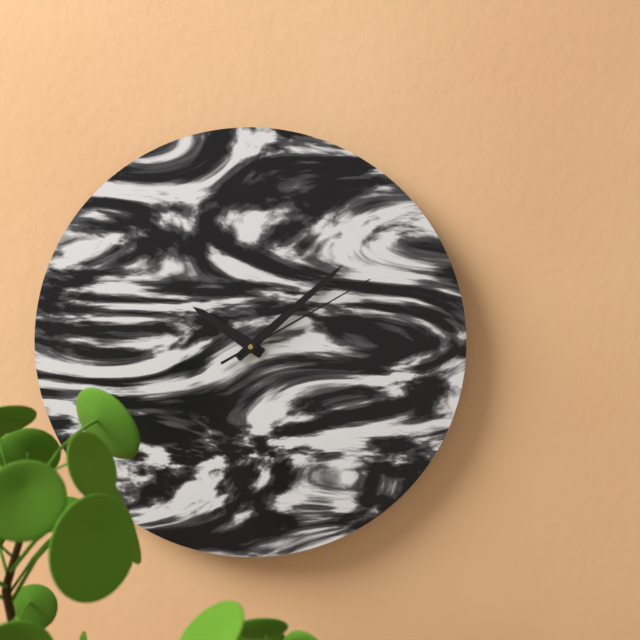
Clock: 10:08:10
